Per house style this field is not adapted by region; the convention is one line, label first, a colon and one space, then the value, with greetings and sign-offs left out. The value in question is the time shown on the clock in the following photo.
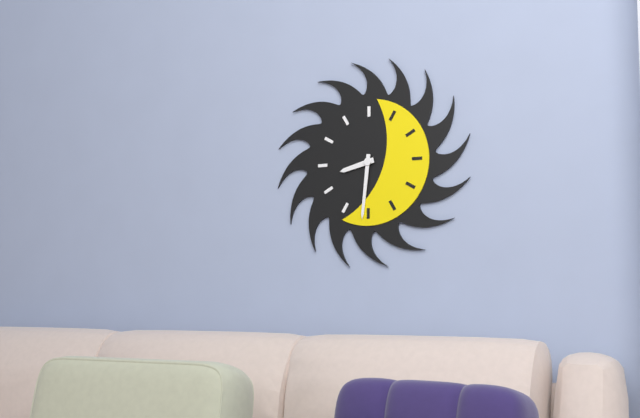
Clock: 8:31
